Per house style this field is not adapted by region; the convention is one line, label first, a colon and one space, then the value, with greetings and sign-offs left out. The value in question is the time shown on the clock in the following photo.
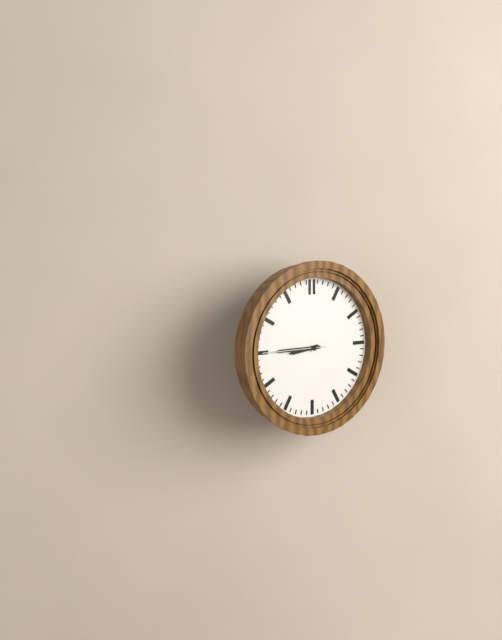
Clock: 8:45:45
